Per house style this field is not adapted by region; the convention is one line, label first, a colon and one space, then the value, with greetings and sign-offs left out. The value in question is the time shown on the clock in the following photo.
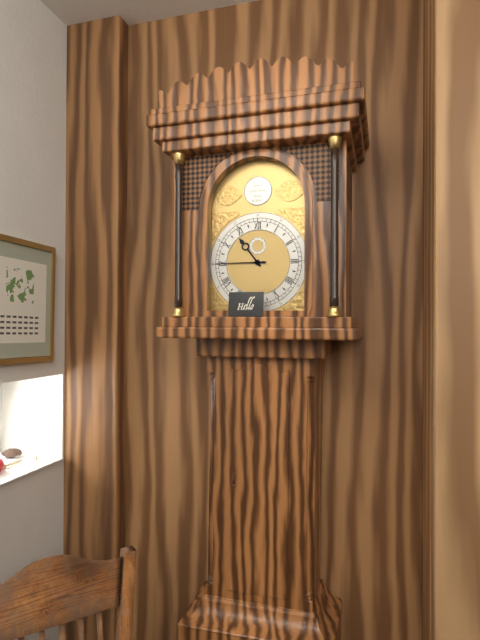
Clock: 10:45
